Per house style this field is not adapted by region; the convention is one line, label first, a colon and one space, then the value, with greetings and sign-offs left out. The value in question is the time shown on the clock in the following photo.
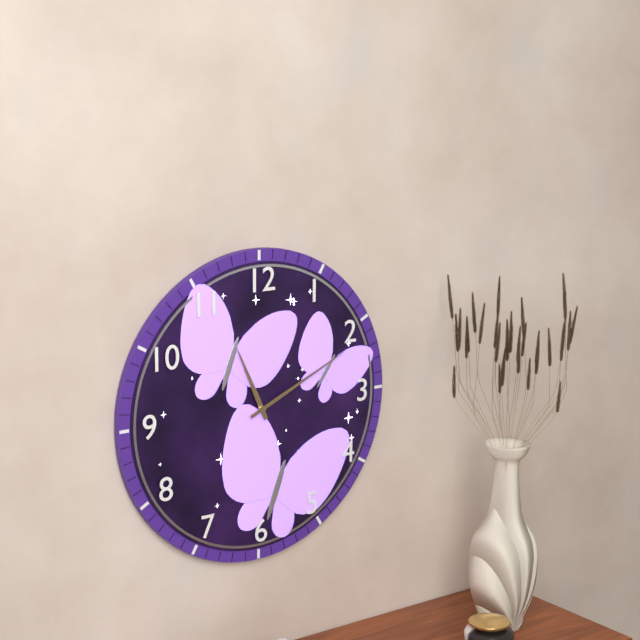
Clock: 11:11
